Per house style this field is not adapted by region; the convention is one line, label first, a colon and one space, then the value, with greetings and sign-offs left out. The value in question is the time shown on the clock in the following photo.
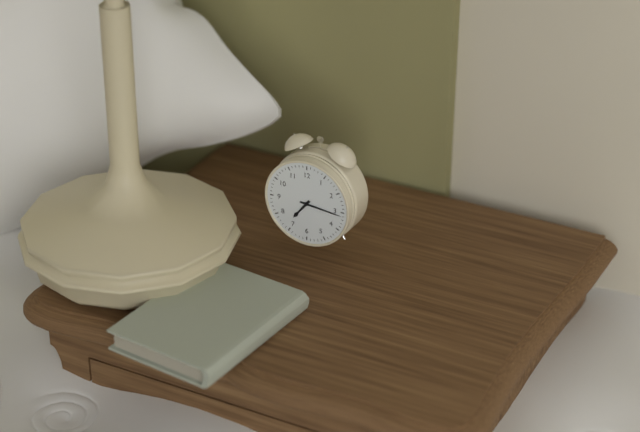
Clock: 7:16
